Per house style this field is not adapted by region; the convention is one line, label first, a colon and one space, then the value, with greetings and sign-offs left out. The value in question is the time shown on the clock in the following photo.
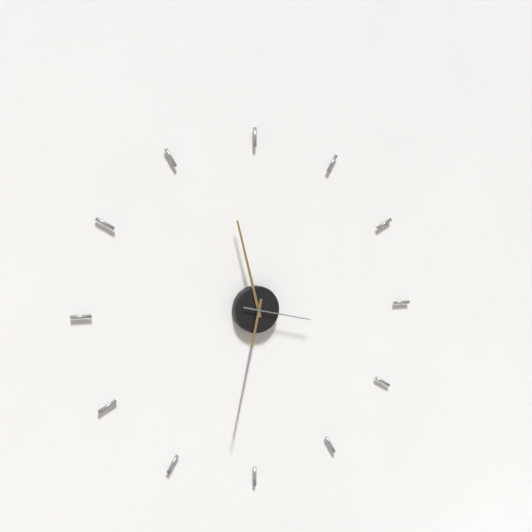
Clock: 11:32:17
